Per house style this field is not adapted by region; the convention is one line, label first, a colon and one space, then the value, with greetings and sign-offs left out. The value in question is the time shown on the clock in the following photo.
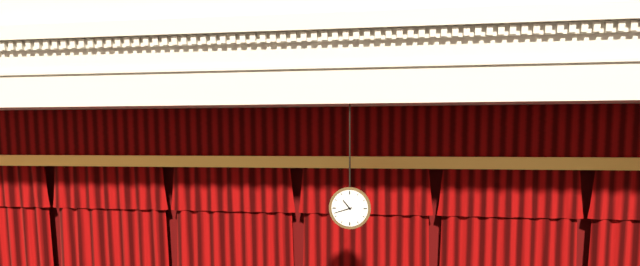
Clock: 10:42
